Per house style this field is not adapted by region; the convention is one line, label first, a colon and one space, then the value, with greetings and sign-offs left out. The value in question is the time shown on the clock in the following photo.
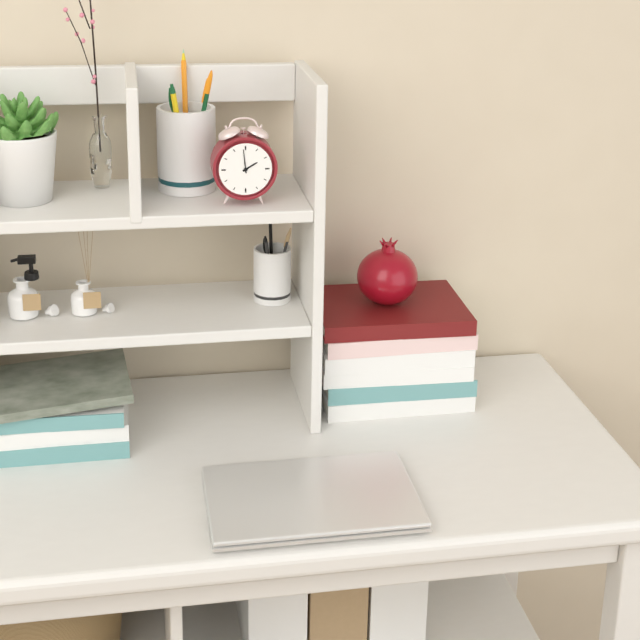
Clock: 1:59
